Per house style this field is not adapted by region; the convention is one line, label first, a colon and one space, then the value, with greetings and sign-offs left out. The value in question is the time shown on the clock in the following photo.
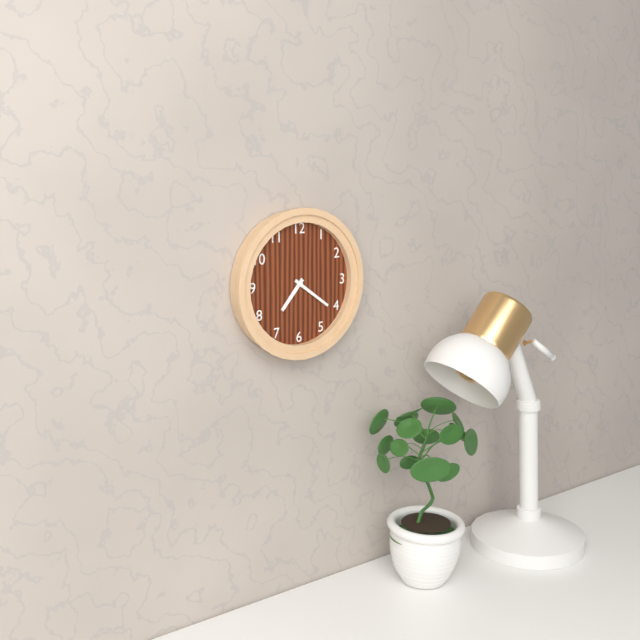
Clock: 7:21
